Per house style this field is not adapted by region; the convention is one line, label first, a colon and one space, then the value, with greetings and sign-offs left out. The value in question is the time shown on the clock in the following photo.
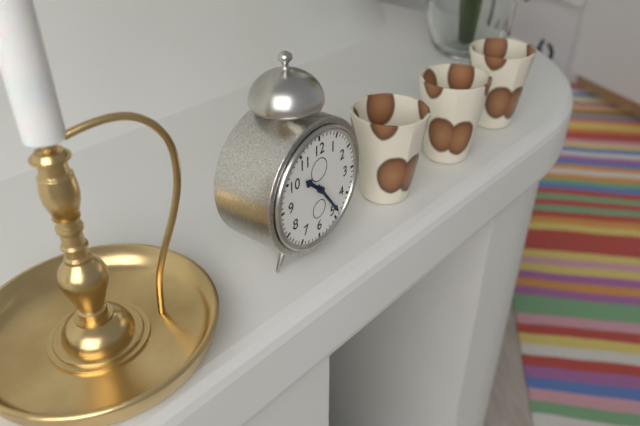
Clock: 10:24
